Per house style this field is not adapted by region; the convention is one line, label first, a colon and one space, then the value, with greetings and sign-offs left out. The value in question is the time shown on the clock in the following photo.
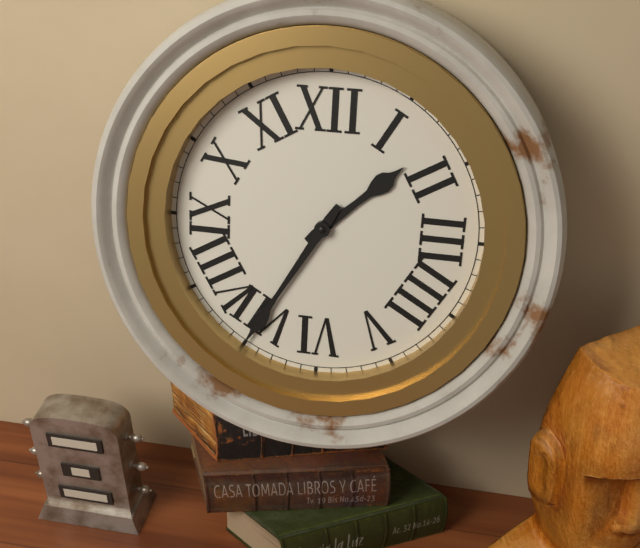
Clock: 1:35
